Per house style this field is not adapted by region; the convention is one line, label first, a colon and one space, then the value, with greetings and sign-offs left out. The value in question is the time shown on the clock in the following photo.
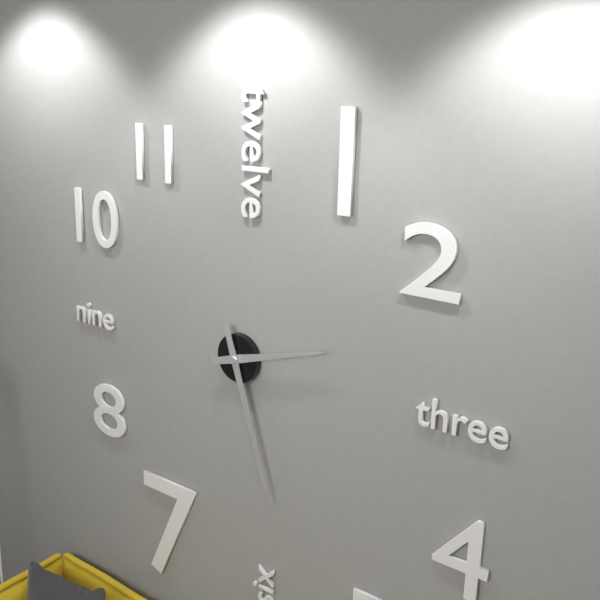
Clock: 2:27
